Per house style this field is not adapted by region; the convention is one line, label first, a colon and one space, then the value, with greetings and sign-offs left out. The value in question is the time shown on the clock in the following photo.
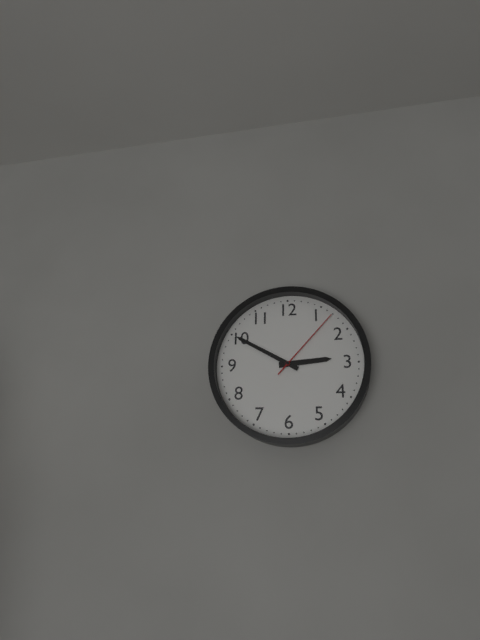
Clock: 2:50:07
